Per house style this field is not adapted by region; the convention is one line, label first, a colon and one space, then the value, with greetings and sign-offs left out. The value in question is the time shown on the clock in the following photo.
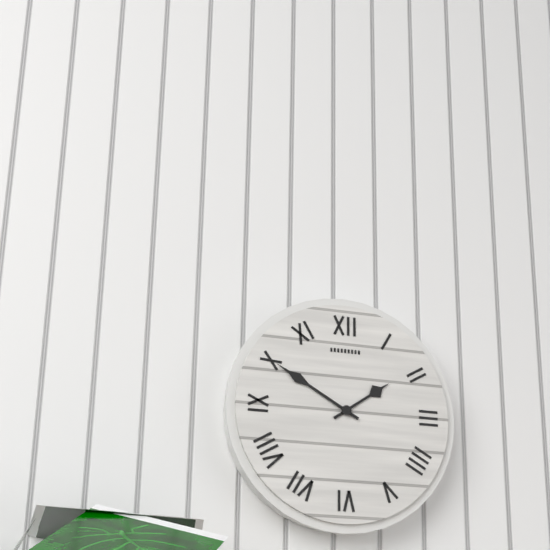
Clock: 1:50
